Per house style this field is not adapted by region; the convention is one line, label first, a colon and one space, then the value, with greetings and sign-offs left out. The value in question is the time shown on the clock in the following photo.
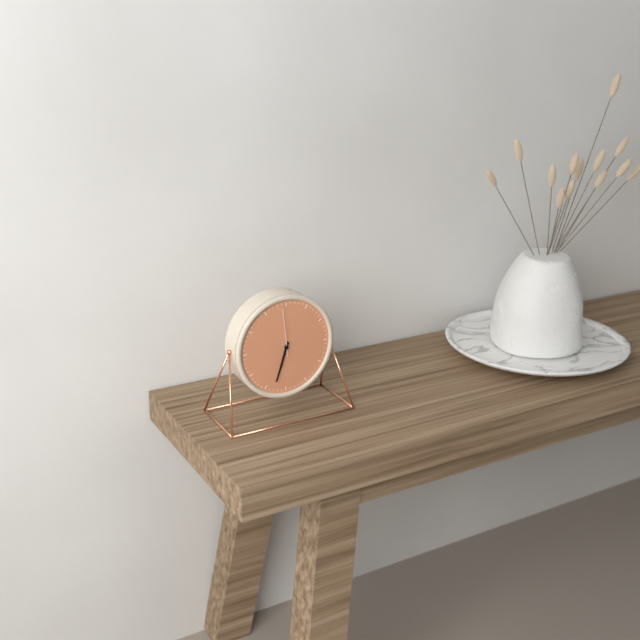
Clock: 6:33
